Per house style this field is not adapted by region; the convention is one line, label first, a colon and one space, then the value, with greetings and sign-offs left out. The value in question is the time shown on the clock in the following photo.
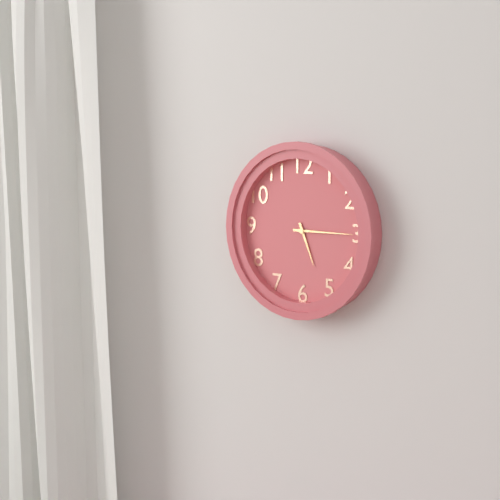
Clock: 5:15
